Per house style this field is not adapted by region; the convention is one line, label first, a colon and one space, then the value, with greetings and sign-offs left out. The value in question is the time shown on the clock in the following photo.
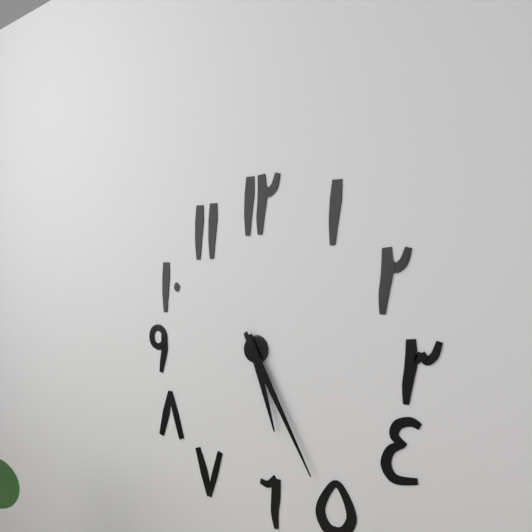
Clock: 5:25
